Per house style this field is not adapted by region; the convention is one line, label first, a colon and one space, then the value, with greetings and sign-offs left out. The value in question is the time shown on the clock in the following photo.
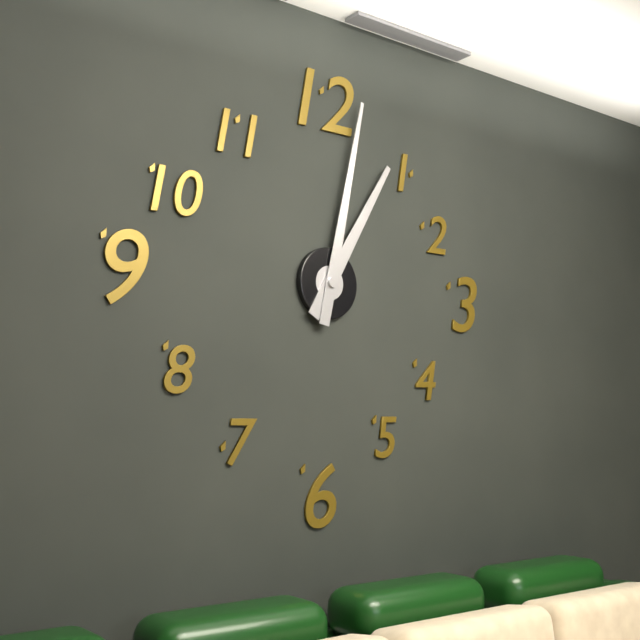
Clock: 1:02
